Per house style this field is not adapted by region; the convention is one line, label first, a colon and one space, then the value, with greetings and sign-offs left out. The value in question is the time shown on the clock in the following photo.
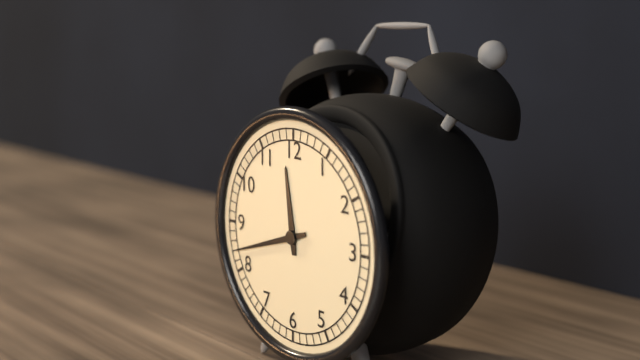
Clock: 11:42
